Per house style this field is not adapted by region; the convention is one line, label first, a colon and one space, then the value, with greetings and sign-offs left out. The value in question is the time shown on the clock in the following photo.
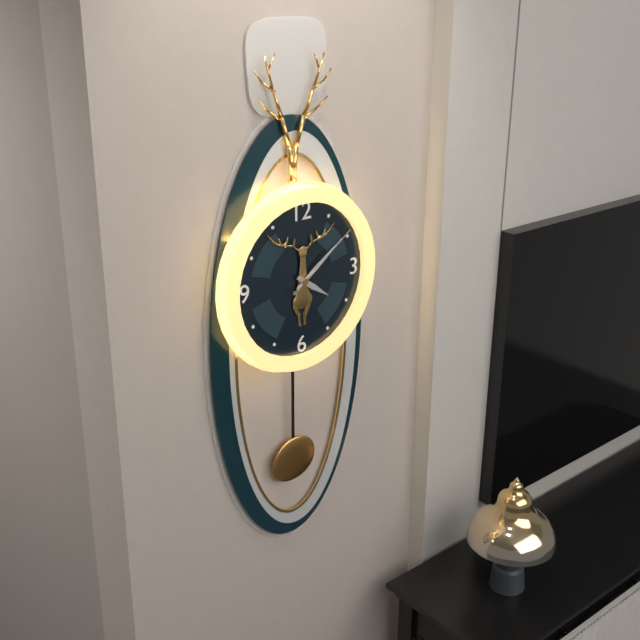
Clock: 4:09:09
